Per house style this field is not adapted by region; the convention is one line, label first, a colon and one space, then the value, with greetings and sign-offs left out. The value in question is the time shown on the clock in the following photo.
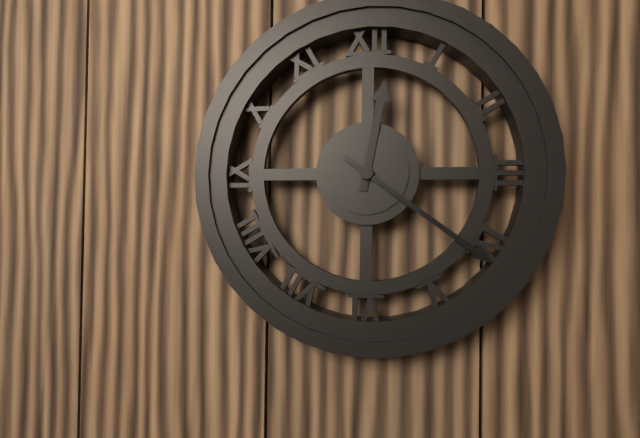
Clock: 12:21
